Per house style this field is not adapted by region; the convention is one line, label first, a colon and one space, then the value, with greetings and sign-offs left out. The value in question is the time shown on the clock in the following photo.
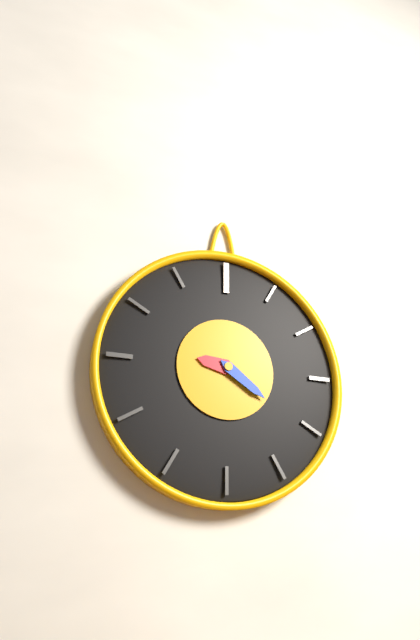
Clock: 9:21
